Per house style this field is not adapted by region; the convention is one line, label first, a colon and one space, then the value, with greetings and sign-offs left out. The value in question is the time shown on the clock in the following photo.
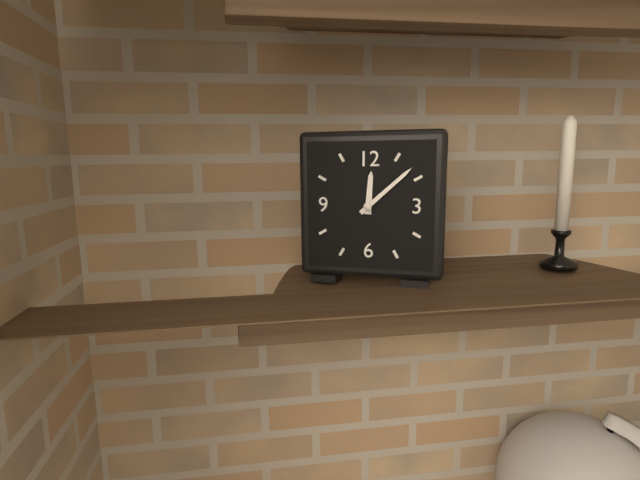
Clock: 12:08
